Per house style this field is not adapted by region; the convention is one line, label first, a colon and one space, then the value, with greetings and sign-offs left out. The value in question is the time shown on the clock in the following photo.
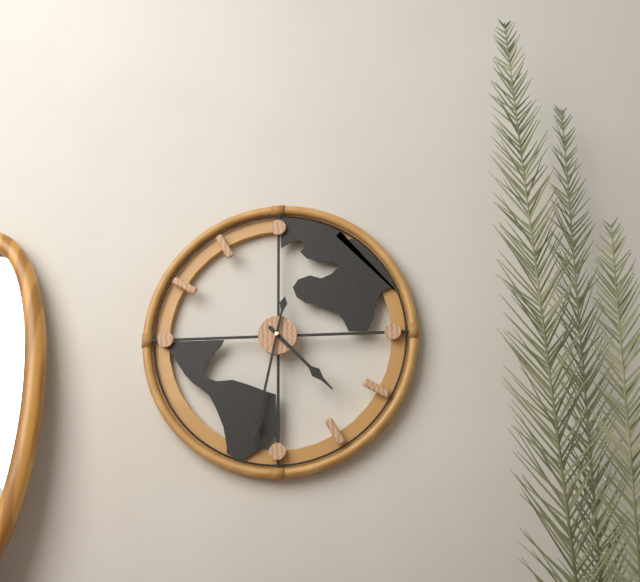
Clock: 4:32
